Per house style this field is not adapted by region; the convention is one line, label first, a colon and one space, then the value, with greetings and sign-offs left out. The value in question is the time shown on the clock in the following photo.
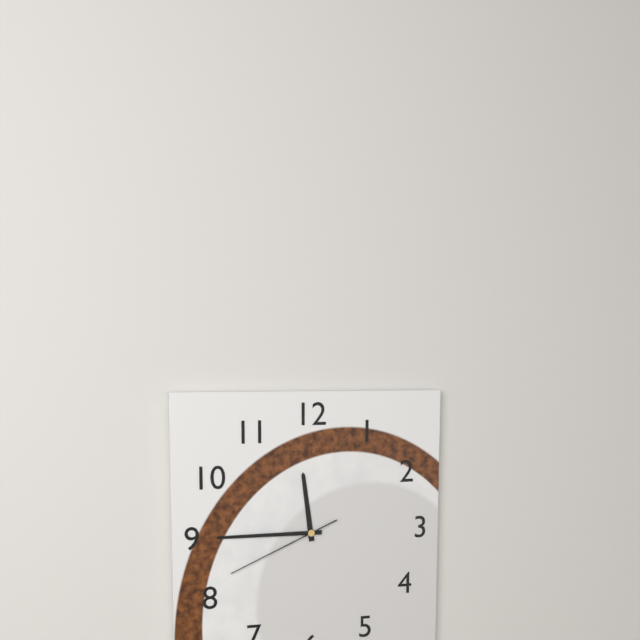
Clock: 11:45:41
